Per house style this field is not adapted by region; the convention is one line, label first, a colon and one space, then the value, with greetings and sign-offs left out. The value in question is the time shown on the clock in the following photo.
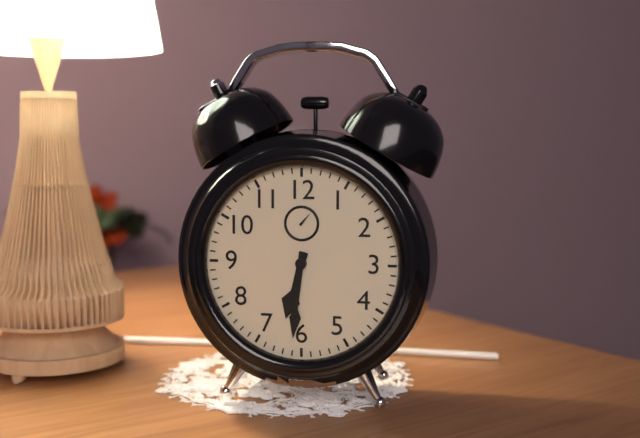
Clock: 6:31
